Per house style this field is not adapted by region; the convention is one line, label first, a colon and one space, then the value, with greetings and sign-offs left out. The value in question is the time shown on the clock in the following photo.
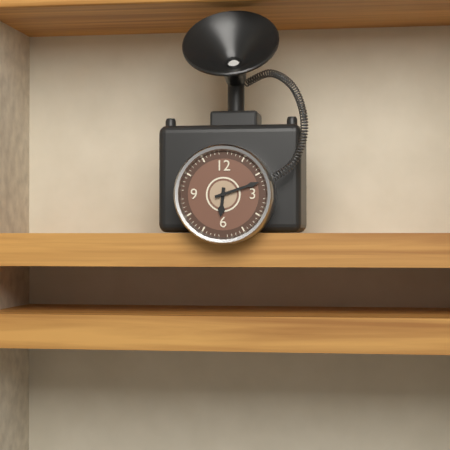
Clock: 6:12
